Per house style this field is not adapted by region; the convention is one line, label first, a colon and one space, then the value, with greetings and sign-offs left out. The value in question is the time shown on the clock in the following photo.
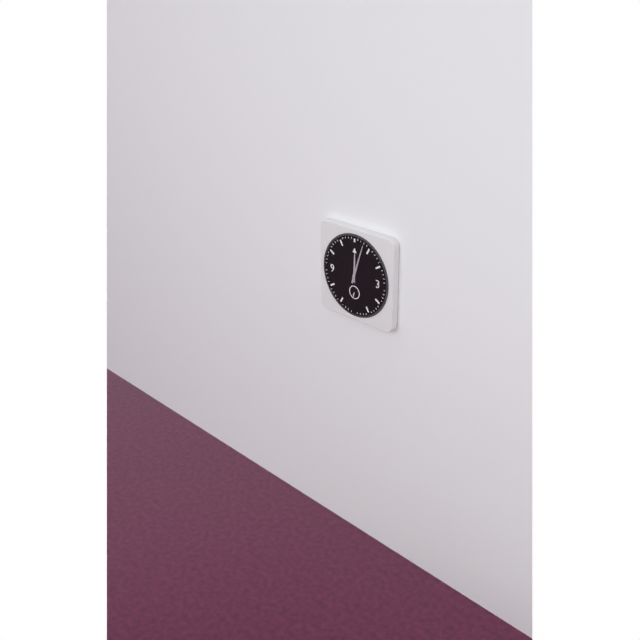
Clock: 12:03
